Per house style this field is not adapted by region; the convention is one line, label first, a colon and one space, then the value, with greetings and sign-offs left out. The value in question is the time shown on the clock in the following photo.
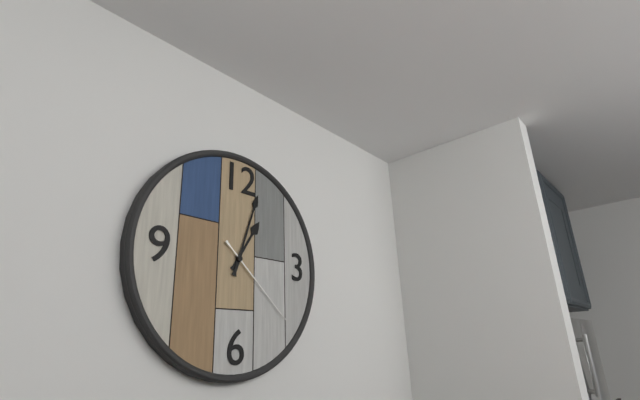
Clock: 1:03:22
